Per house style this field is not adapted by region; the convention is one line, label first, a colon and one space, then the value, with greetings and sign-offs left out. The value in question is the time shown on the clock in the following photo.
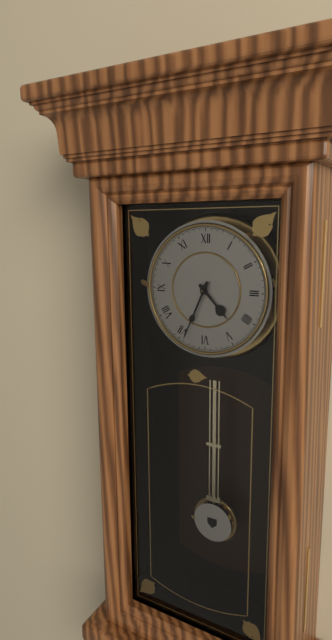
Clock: 4:34
